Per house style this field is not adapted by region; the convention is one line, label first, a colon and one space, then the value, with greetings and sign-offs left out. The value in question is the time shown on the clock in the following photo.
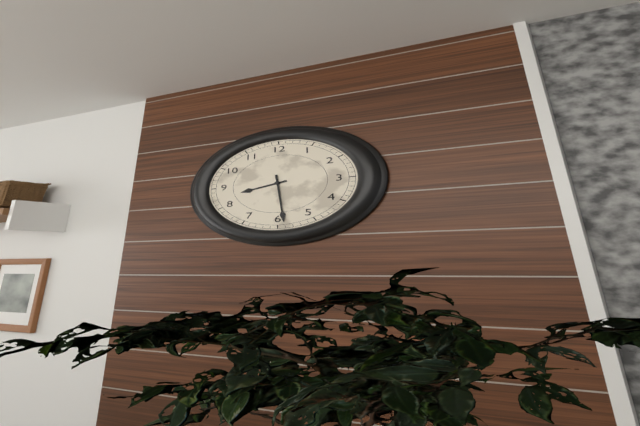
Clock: 8:29
